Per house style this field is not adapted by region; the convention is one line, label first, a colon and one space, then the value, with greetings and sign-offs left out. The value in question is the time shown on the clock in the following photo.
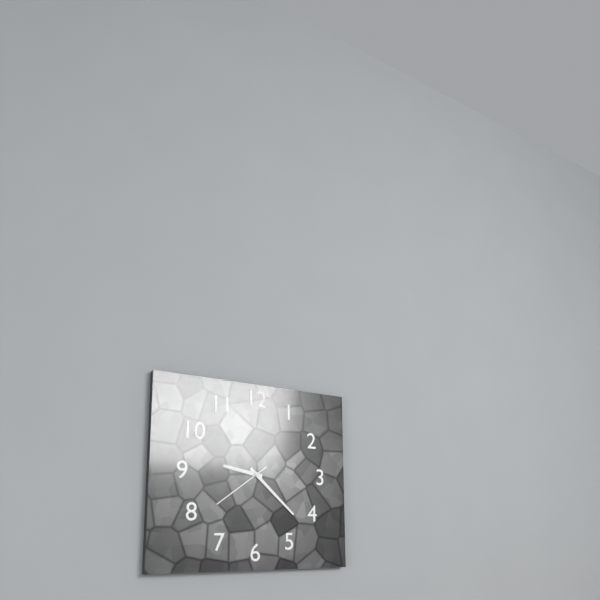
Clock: 9:22:39
